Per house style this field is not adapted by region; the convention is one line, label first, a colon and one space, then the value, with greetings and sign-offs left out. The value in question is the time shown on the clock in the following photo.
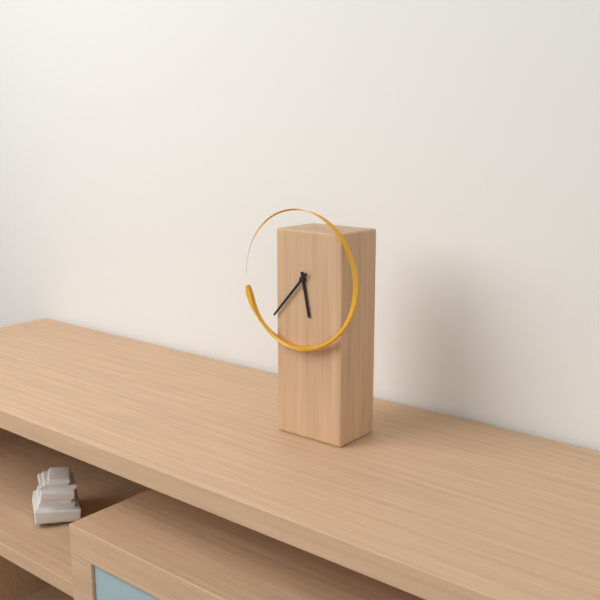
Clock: 5:37
